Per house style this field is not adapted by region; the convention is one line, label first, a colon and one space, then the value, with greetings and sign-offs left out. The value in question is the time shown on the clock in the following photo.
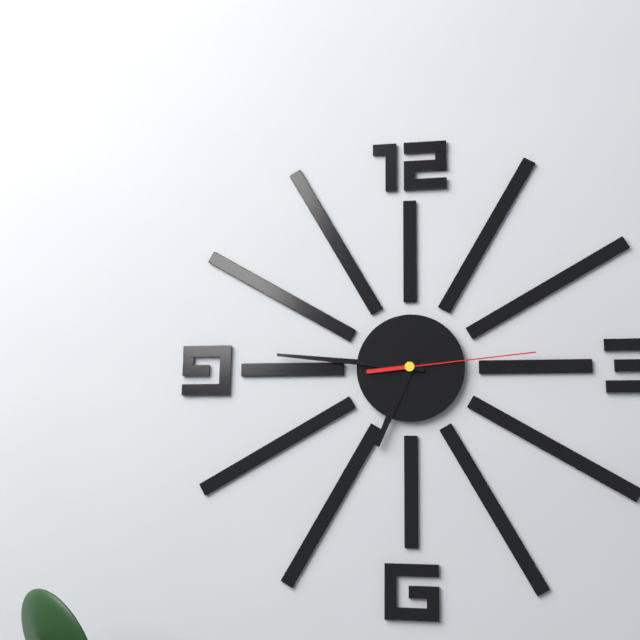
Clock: 6:46:14
